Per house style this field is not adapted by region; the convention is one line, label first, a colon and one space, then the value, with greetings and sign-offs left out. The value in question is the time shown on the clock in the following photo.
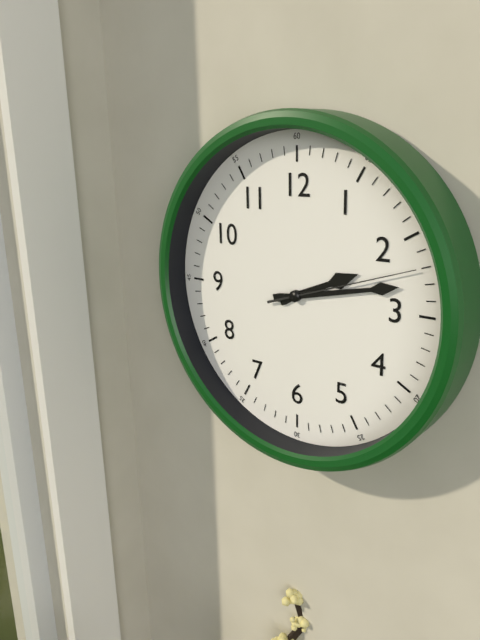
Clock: 2:13:12
